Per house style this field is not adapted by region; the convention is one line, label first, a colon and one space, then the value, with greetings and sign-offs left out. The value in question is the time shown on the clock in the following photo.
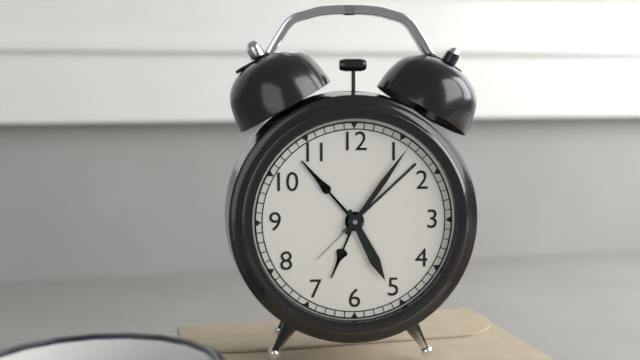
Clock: 5:06
